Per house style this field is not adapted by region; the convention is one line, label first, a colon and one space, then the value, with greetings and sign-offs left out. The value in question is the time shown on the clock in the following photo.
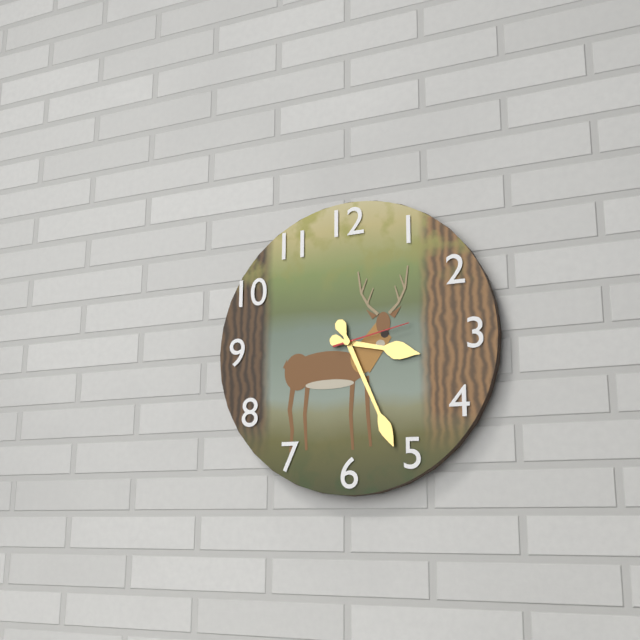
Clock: 3:26:13
